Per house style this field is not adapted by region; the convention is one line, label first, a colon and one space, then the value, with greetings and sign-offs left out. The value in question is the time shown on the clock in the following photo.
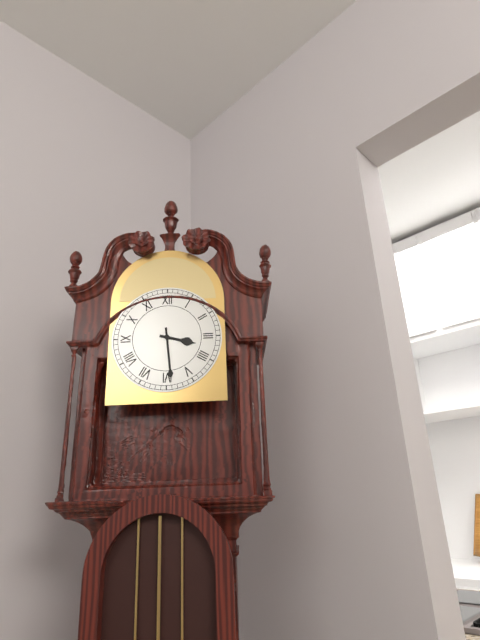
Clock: 3:29
